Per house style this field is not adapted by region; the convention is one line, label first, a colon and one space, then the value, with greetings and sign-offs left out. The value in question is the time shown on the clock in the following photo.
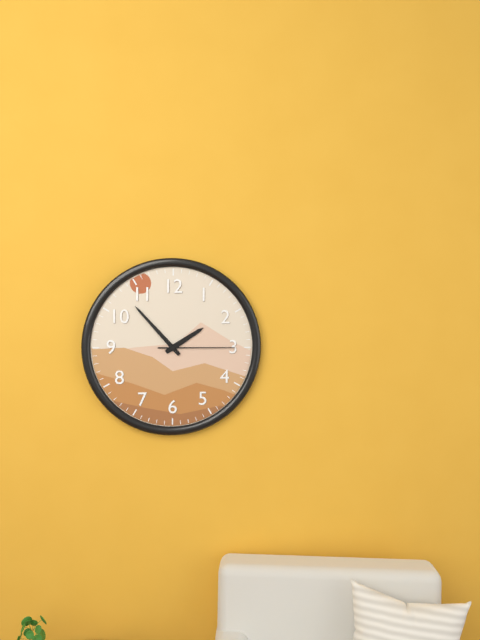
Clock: 1:53:15
